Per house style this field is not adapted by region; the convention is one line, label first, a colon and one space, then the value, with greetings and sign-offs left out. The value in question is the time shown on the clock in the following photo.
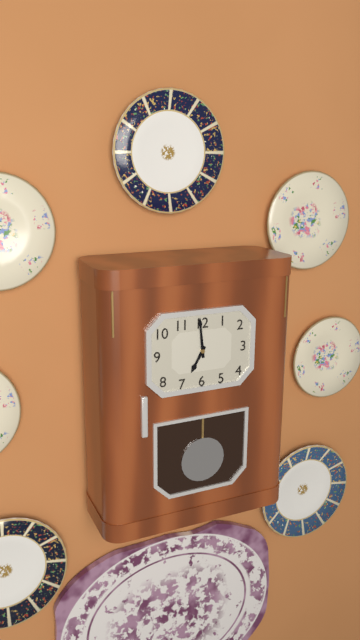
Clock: 6:59
